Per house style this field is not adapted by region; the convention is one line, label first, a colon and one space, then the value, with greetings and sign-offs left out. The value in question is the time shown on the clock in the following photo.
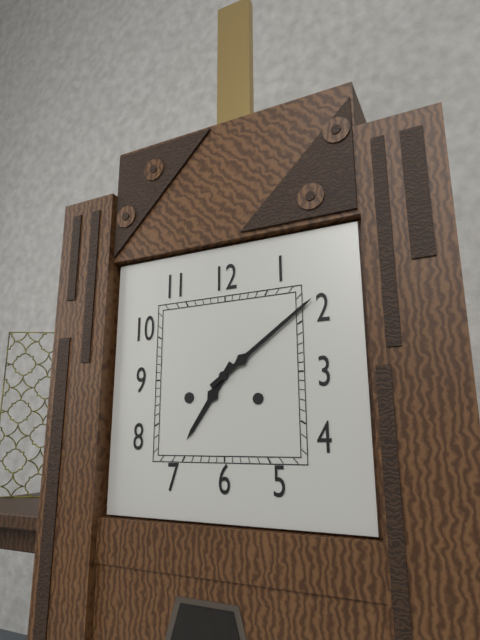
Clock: 7:09
